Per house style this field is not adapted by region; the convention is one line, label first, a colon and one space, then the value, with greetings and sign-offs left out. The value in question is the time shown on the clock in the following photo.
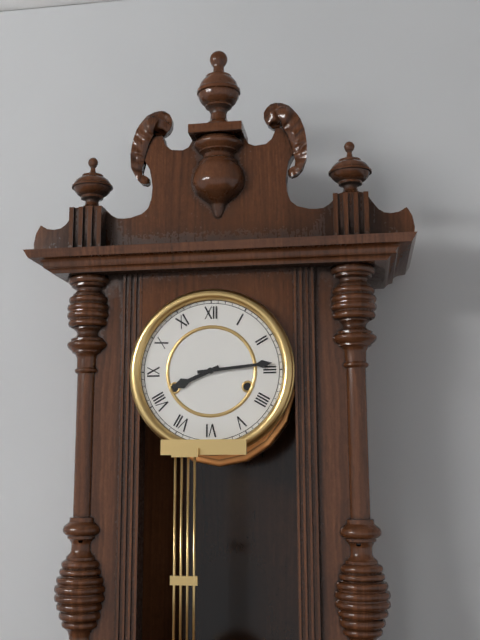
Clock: 8:14
